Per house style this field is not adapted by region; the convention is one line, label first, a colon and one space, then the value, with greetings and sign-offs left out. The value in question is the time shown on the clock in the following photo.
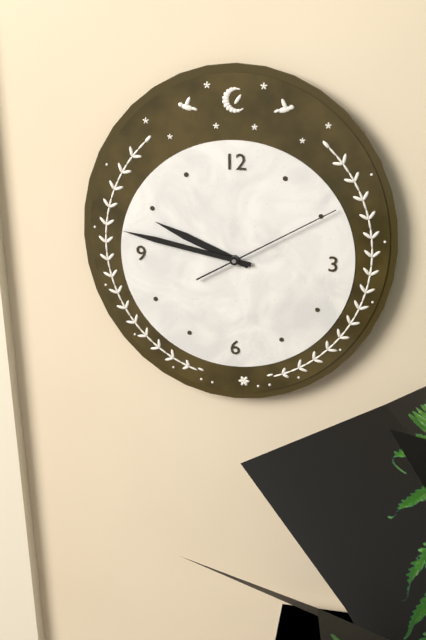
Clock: 9:47:10
